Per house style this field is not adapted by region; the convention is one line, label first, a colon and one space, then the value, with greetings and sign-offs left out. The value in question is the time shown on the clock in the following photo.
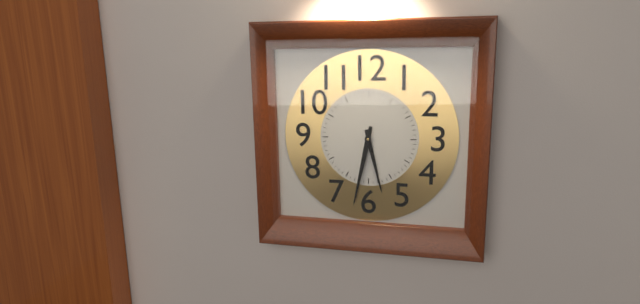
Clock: 5:32
